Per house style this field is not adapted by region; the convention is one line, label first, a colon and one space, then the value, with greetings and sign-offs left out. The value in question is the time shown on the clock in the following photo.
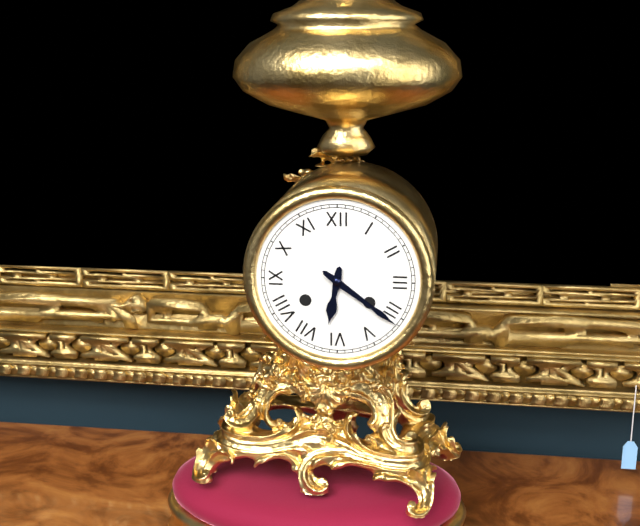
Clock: 6:21
